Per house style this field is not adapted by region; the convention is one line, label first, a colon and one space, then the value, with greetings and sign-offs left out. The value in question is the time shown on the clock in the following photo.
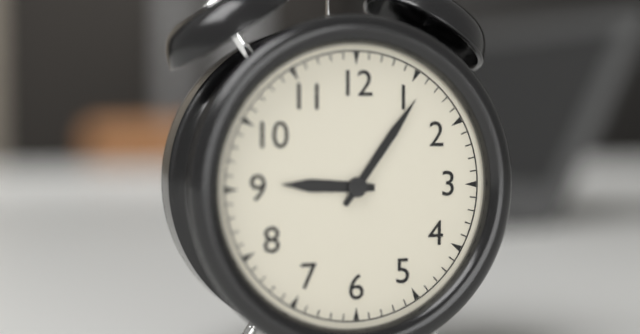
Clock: 9:06
